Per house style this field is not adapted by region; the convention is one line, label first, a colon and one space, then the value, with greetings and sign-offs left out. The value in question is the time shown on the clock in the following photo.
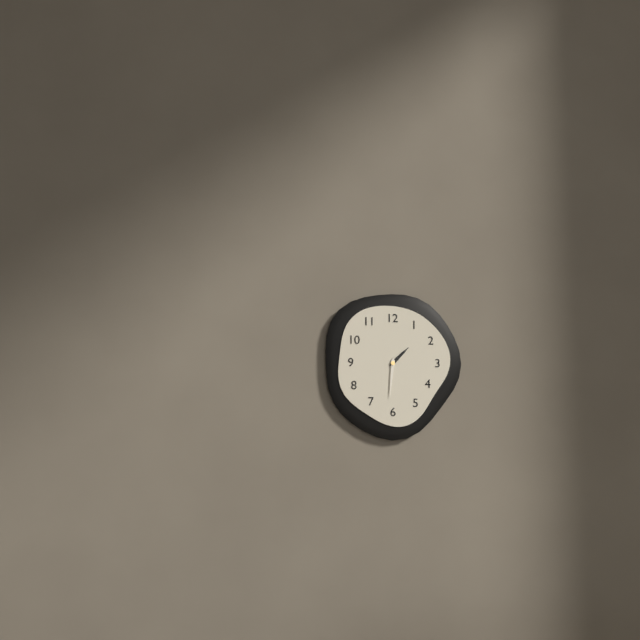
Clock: 1:31
